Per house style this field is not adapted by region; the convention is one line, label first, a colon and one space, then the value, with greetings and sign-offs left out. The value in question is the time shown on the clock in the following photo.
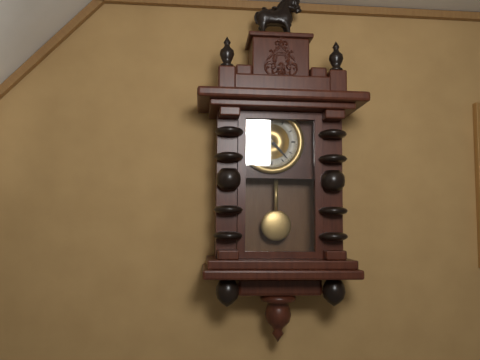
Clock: 11:23
